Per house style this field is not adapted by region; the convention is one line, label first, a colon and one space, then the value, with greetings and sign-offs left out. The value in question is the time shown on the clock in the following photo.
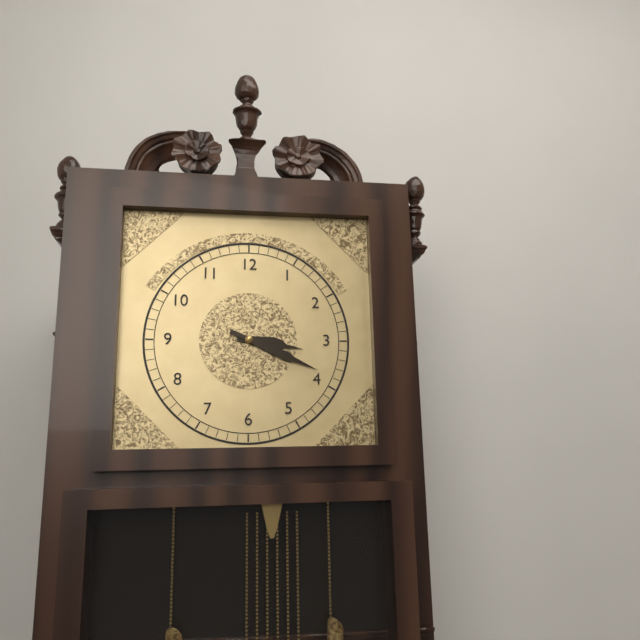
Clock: 3:19
